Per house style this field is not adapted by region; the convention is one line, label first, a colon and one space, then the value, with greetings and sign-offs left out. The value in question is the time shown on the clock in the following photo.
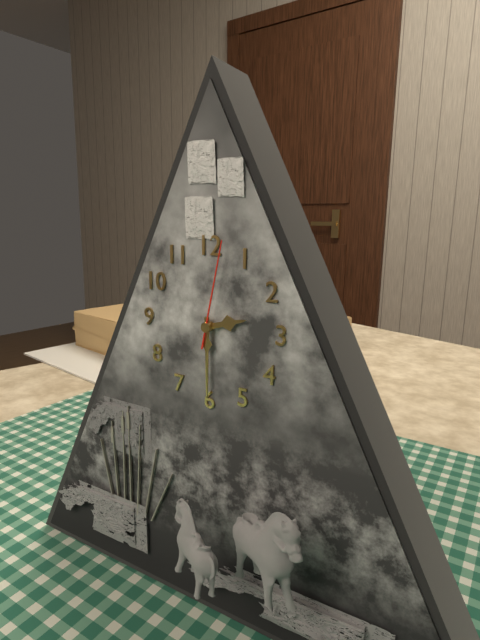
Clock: 2:30:02
